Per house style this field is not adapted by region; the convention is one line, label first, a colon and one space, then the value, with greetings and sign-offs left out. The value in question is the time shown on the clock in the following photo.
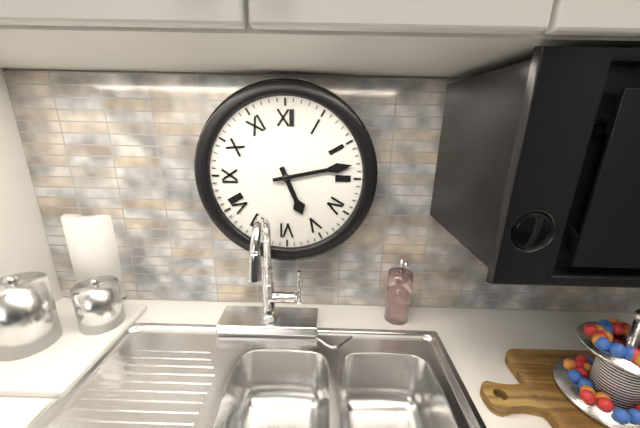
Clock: 5:13
